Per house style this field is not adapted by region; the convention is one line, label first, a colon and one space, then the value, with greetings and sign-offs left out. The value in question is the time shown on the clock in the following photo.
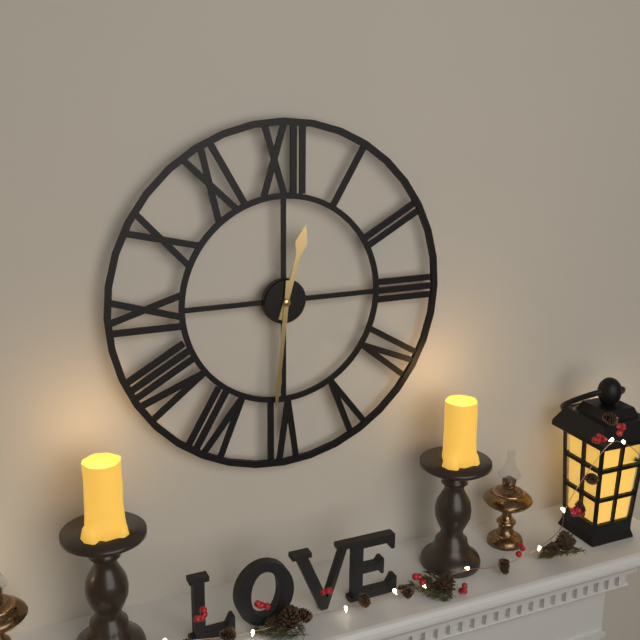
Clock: 12:31
